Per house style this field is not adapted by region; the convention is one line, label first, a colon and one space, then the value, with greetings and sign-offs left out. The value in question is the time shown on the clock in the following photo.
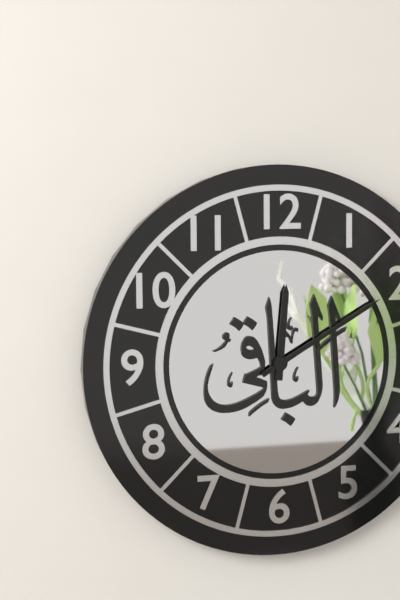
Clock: 12:10
